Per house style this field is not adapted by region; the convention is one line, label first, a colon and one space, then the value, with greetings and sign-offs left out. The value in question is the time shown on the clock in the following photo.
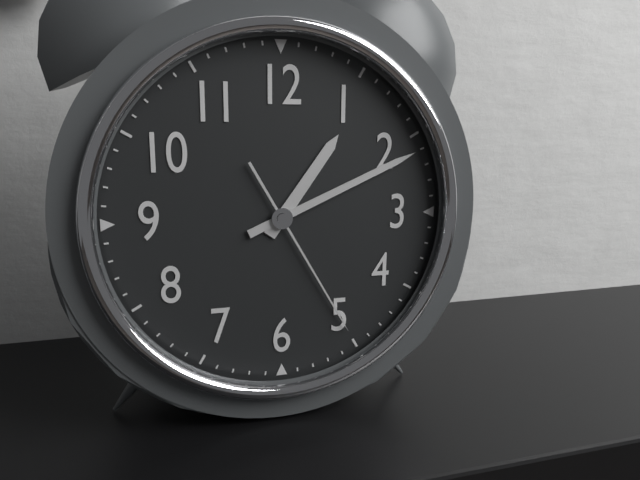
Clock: 1:11:25
